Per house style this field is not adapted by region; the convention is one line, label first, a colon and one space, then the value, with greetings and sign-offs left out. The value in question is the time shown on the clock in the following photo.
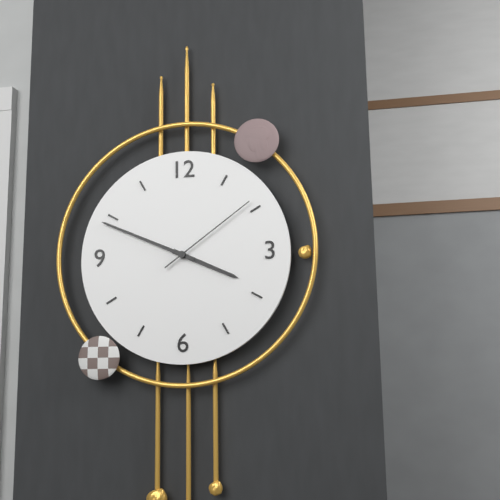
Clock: 3:49:09
